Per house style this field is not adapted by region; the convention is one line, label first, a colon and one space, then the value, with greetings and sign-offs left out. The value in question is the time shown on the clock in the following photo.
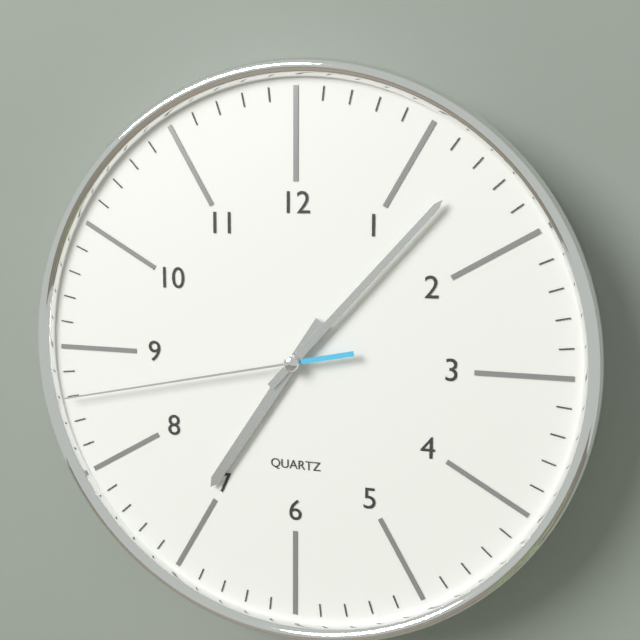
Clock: 7:07:43
